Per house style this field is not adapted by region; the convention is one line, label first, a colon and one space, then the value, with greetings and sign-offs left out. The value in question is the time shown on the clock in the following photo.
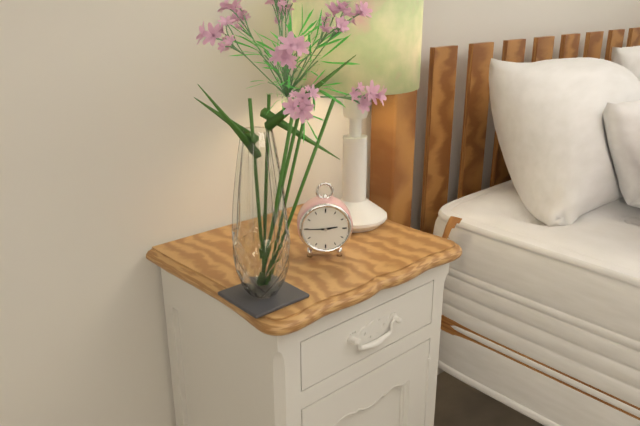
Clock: 2:45
